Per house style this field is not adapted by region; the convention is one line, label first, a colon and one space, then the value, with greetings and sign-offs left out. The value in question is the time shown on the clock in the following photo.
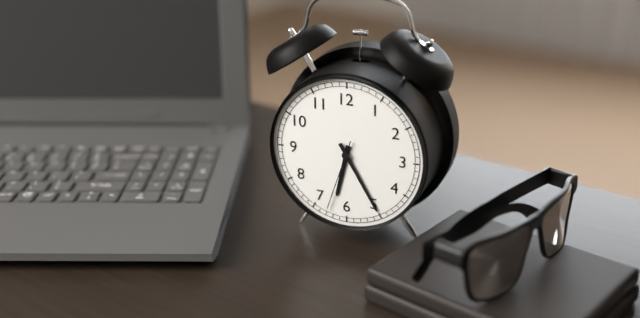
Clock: 6:25:33
